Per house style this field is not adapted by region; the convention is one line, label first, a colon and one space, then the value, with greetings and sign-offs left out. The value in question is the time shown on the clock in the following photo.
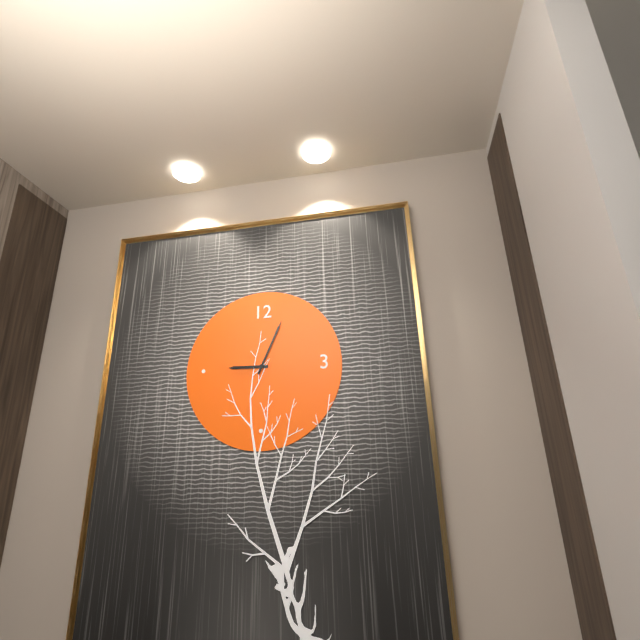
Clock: 9:04
